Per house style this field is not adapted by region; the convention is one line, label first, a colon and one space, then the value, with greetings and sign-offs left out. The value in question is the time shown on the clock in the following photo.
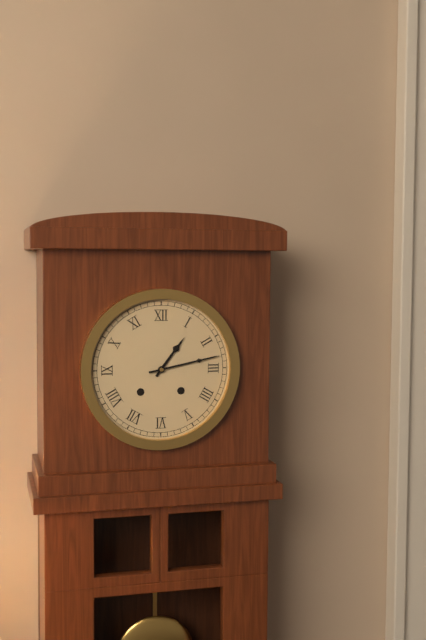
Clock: 1:13
